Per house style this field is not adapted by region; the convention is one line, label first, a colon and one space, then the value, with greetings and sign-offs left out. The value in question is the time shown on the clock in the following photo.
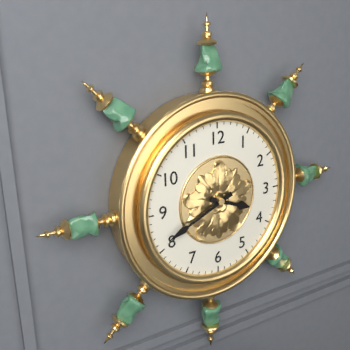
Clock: 3:41
